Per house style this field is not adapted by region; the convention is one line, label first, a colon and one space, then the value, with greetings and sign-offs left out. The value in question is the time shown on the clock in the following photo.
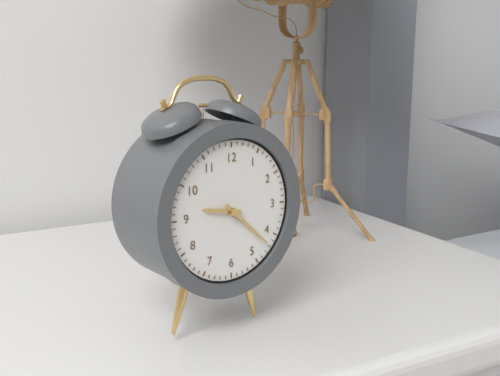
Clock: 9:22
